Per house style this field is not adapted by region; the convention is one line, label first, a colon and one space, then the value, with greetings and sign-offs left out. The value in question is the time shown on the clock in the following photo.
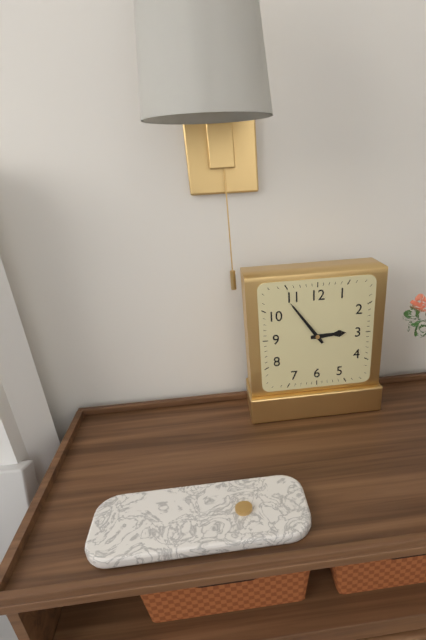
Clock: 2:54
